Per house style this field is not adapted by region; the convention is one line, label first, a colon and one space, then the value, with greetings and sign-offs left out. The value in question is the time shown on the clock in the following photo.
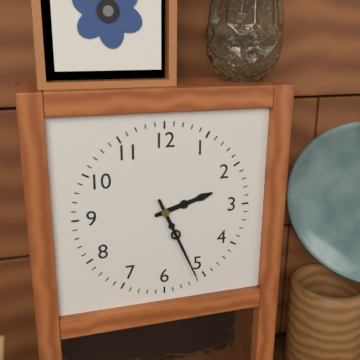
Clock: 2:26
